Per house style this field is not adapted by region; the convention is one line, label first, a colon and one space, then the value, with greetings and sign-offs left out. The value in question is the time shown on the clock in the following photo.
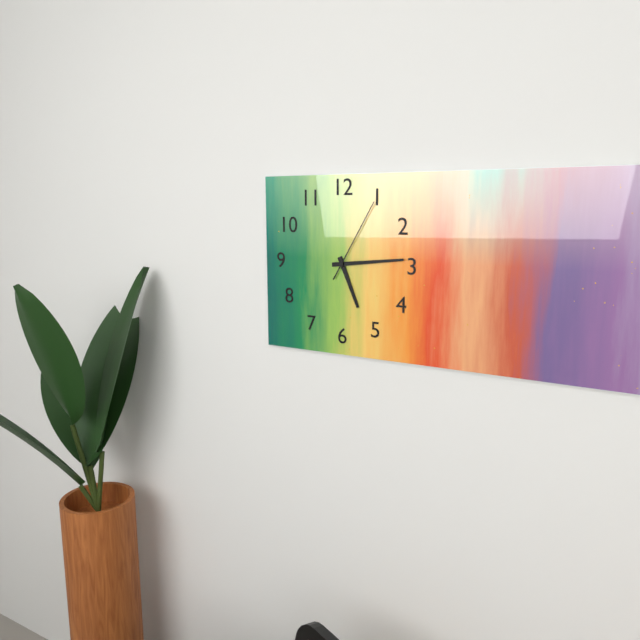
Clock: 5:14:05
